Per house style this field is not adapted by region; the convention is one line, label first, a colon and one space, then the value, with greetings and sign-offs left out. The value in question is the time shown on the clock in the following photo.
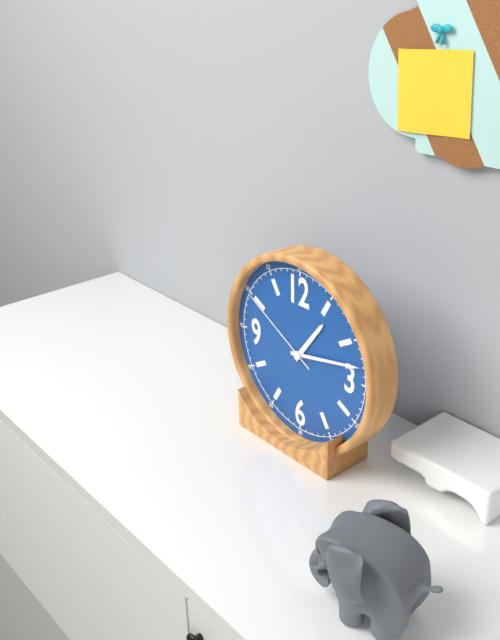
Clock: 1:13:50
